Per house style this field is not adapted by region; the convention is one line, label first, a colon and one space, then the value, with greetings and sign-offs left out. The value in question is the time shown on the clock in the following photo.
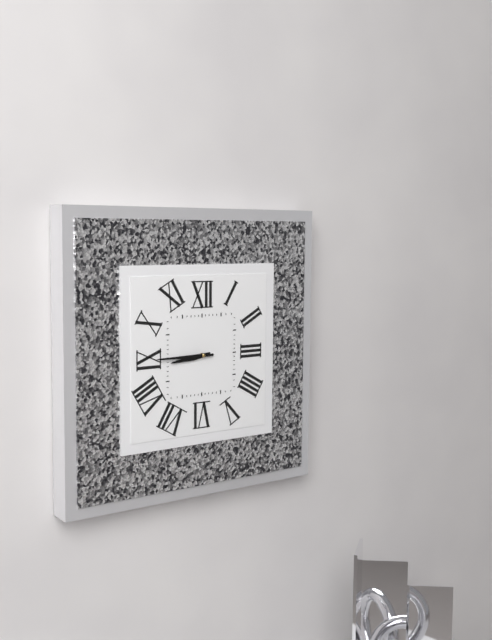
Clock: 8:45
